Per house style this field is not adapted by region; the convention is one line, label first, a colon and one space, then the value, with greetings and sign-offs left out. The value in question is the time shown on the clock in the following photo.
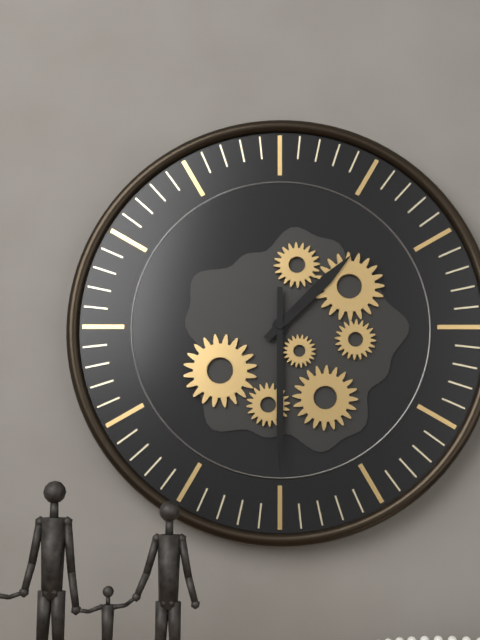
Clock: 1:30
